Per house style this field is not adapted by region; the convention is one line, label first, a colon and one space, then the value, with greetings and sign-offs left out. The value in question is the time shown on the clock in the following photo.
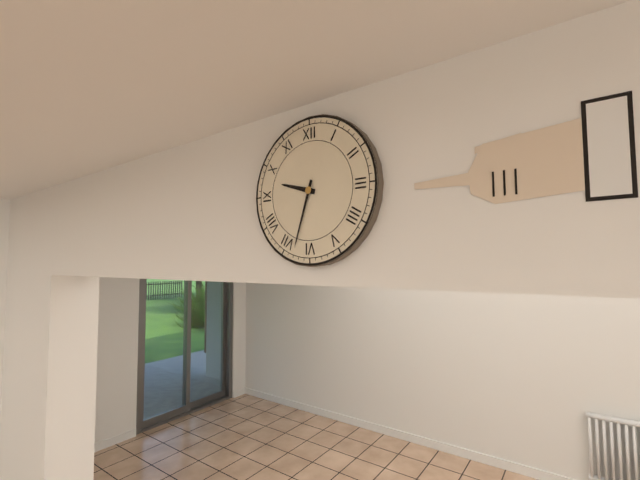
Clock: 9:33
